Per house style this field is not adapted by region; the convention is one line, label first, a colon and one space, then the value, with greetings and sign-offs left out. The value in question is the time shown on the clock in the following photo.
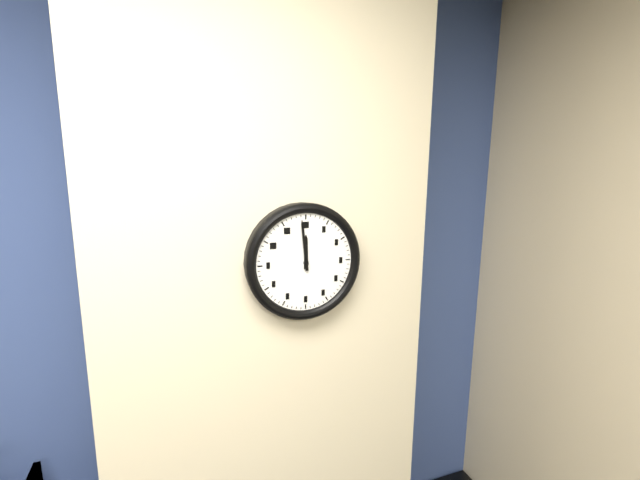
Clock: 11:59
